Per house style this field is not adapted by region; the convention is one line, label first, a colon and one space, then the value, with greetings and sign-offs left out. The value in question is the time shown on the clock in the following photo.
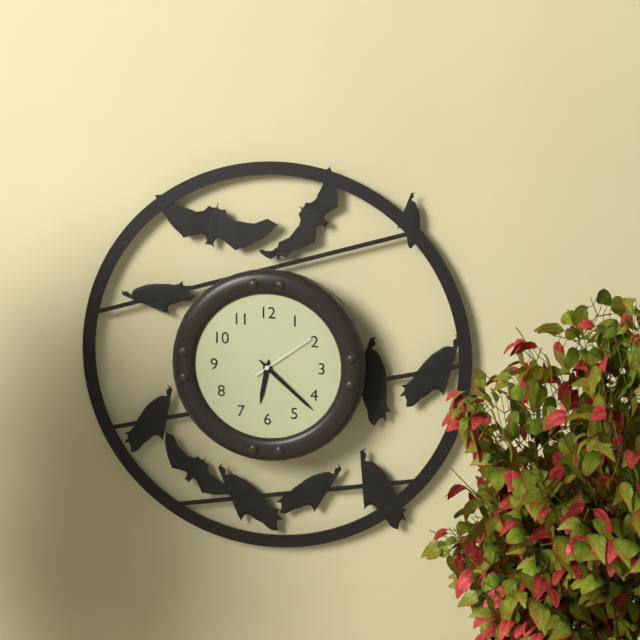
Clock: 6:22:09
